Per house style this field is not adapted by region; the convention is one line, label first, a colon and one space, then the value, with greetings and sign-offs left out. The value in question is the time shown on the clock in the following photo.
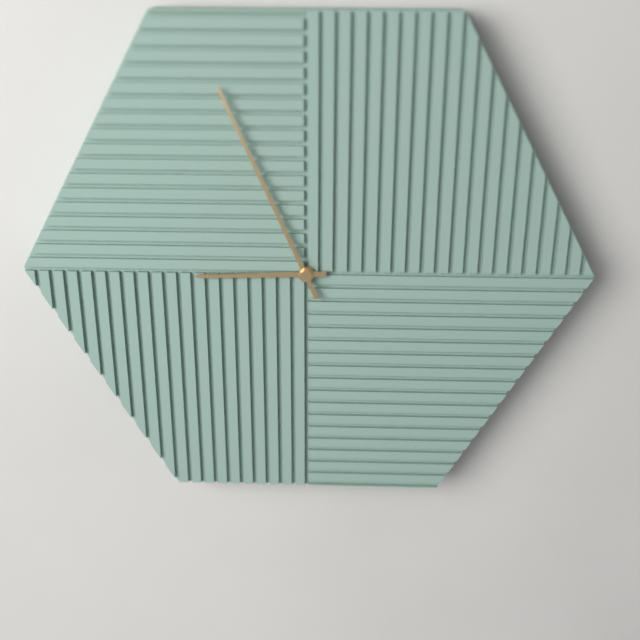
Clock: 8:56
